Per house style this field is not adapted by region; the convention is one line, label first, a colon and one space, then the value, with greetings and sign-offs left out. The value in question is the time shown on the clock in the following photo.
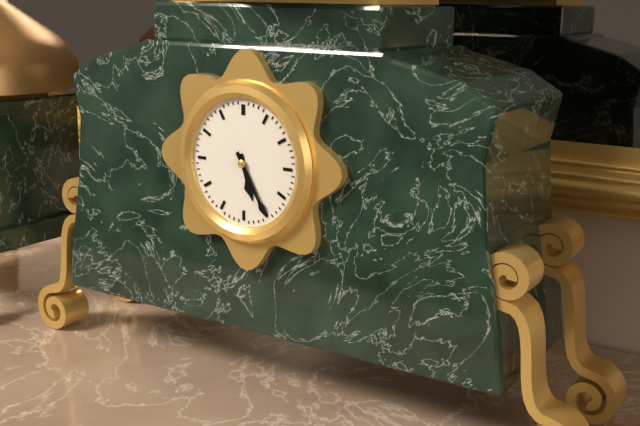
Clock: 5:25
